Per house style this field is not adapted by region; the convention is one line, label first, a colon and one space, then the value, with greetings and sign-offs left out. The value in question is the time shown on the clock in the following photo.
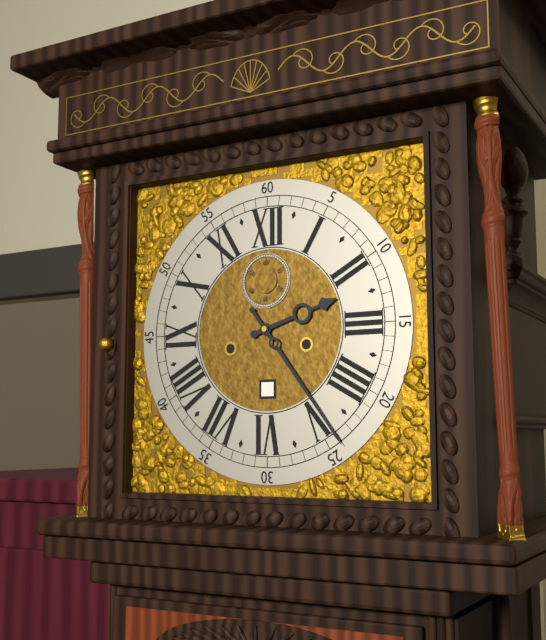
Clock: 2:24
